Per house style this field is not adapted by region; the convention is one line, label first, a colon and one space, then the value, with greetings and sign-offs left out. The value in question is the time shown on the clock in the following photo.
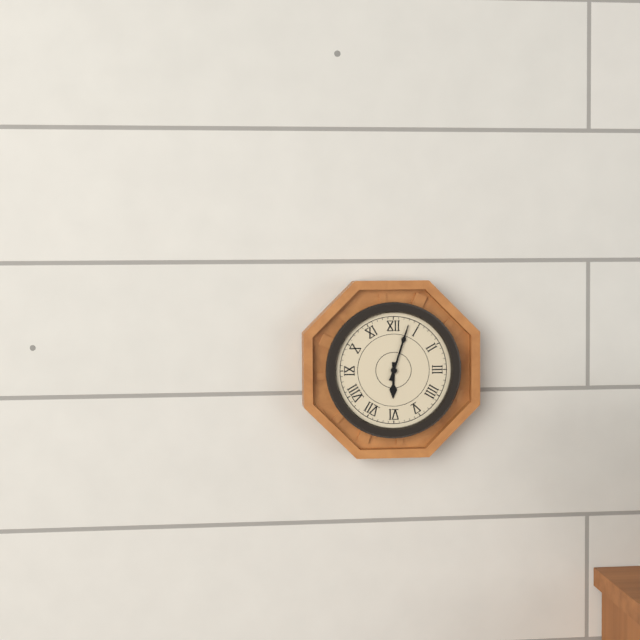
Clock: 6:03
